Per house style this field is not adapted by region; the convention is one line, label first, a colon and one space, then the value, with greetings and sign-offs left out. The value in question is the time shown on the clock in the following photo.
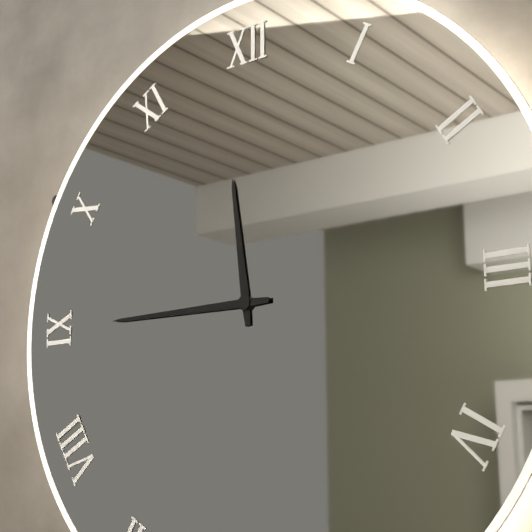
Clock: 11:45
